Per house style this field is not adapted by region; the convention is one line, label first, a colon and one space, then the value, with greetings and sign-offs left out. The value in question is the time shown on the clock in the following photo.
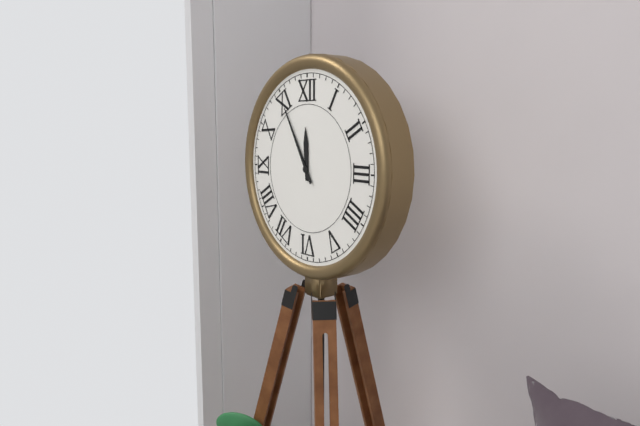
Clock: 11:55
